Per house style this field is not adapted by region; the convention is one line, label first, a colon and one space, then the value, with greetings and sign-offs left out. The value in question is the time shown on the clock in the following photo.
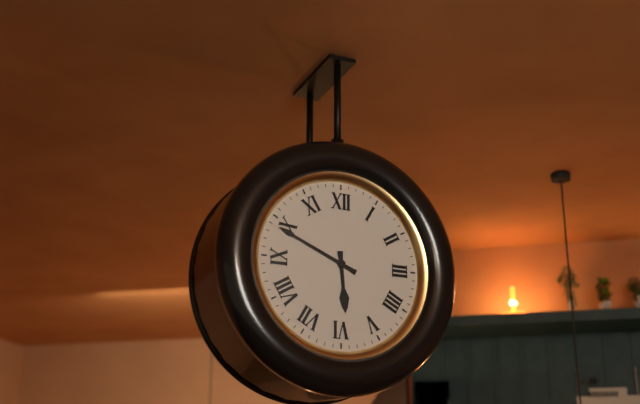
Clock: 5:49
